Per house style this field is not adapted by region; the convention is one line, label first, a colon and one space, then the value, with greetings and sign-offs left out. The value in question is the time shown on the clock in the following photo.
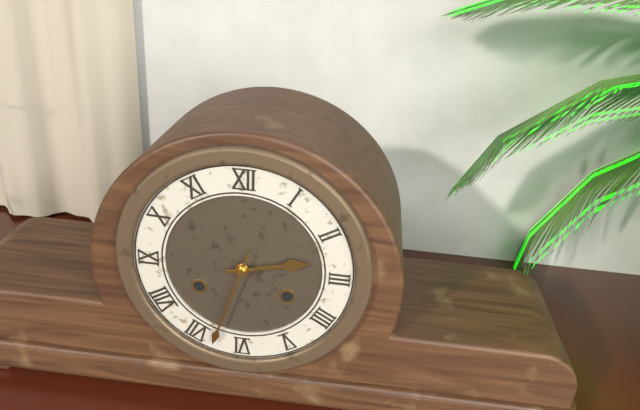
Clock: 2:33
